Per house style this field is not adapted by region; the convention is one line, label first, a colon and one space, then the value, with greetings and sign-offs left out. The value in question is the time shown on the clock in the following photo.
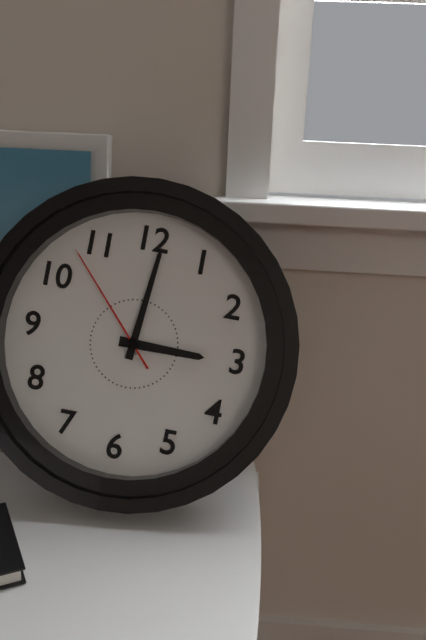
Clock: 3:01:53
